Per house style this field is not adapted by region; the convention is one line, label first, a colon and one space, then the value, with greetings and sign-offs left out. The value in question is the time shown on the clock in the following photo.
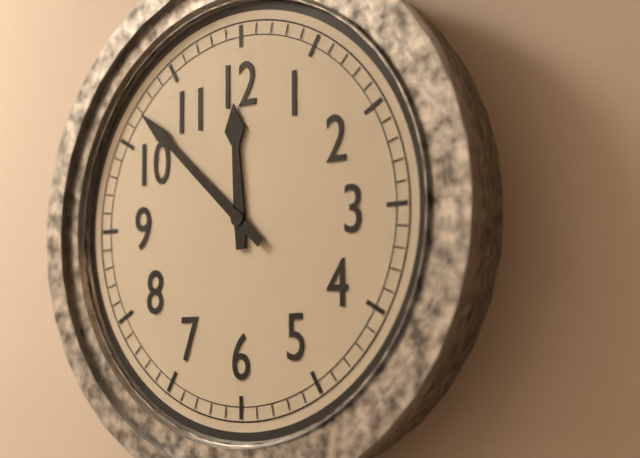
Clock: 11:52
